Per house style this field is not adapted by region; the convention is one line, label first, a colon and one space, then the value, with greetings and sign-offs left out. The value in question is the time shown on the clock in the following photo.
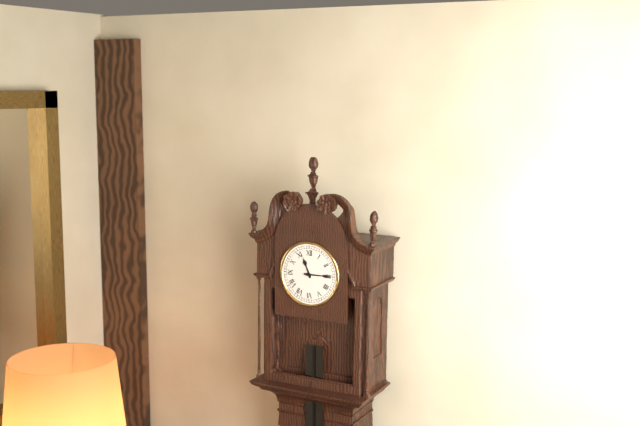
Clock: 11:15
